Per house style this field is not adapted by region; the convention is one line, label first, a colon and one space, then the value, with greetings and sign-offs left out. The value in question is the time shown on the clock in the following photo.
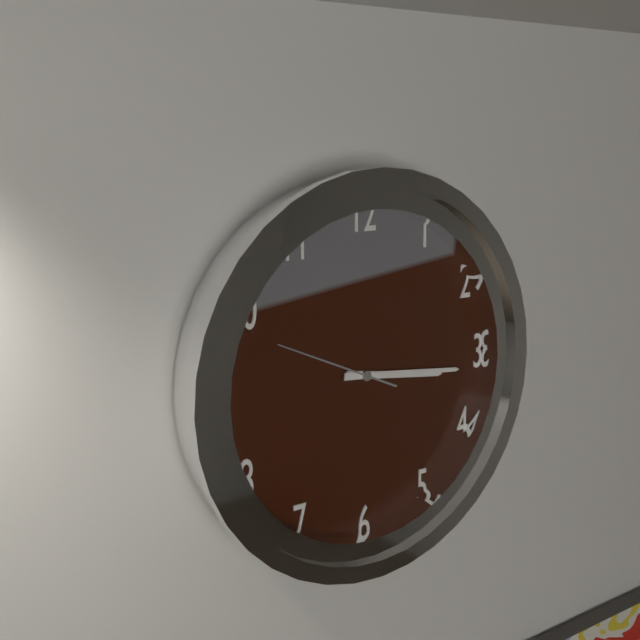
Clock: 3:16:49
